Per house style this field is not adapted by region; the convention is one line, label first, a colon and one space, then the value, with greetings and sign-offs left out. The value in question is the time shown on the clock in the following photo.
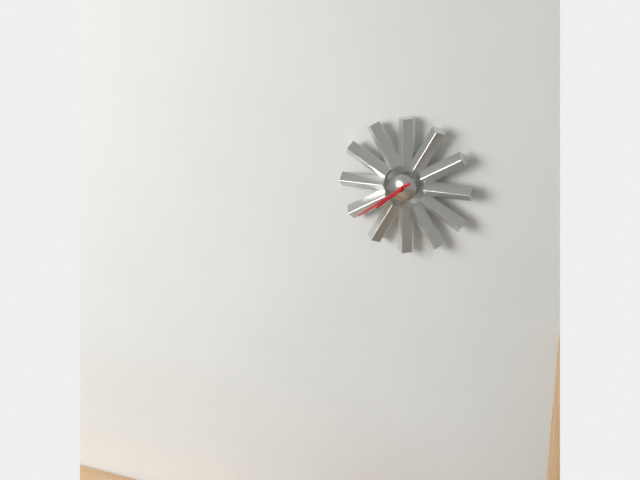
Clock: 7:39
